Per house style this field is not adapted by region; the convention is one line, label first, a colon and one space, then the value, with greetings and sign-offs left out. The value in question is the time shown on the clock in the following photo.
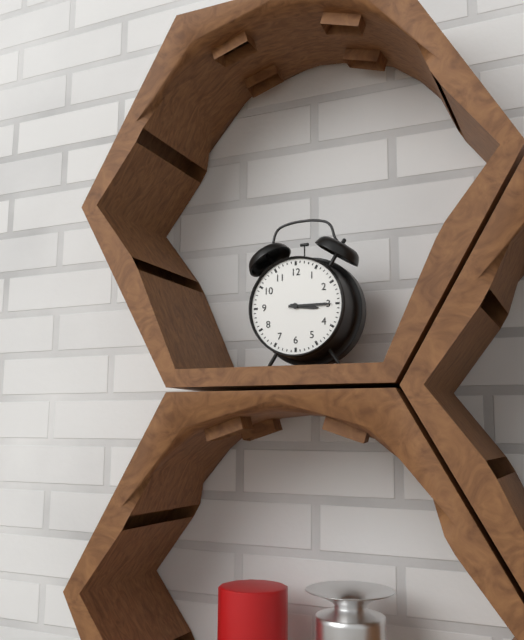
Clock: 3:15
